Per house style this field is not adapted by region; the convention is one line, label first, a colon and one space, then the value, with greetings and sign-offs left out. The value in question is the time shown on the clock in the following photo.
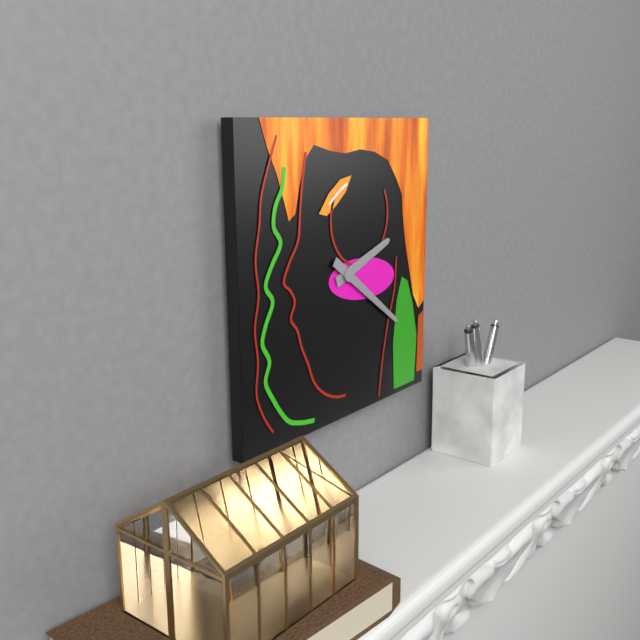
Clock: 2:21
